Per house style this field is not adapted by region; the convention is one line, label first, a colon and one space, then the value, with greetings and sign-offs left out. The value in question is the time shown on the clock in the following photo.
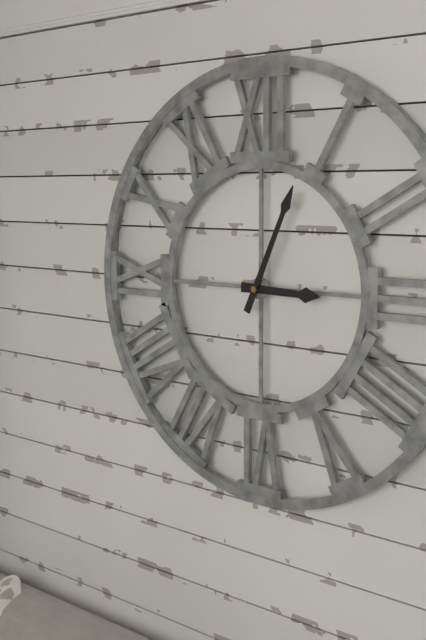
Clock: 3:04
